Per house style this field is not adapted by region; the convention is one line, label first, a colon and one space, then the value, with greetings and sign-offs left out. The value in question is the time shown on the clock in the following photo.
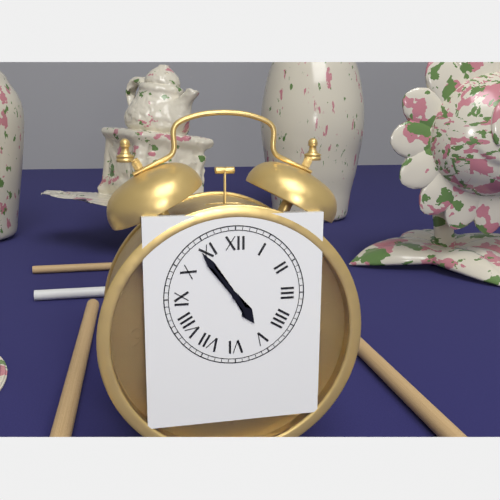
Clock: 4:54
